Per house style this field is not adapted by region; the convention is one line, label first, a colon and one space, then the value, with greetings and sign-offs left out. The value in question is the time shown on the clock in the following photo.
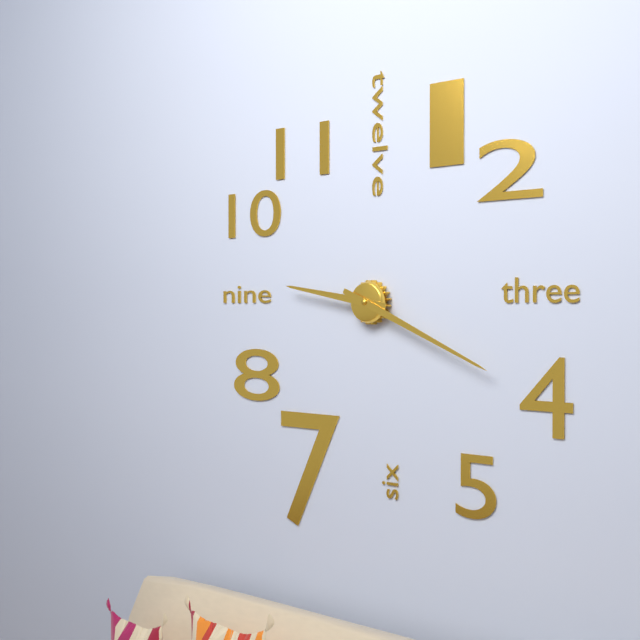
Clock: 9:19
